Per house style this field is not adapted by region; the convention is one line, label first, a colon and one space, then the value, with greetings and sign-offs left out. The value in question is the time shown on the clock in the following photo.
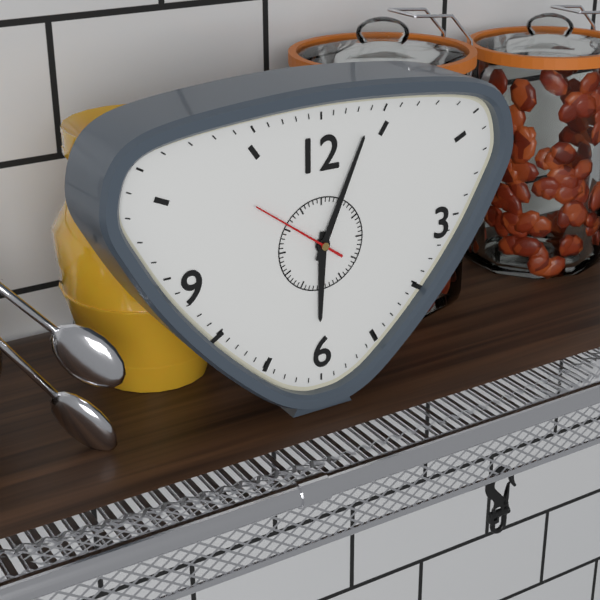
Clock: 6:04:51
